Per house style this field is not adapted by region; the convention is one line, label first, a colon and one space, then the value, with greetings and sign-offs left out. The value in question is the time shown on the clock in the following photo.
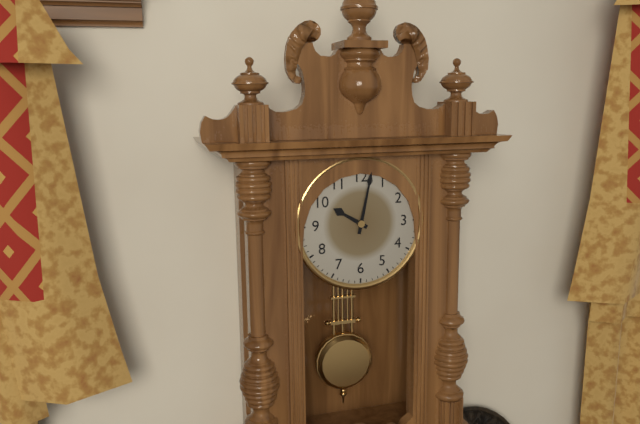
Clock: 10:02
